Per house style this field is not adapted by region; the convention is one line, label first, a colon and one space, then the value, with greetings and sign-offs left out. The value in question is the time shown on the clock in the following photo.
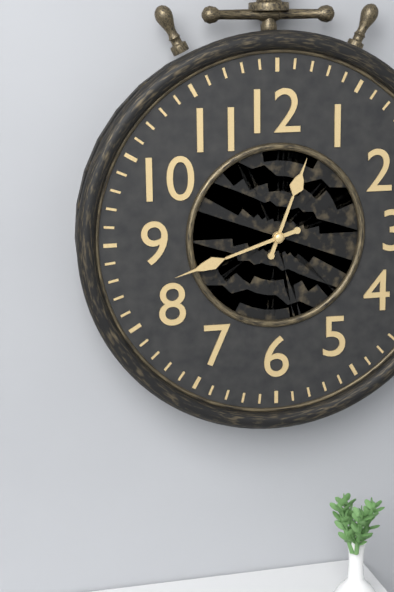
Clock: 12:42
